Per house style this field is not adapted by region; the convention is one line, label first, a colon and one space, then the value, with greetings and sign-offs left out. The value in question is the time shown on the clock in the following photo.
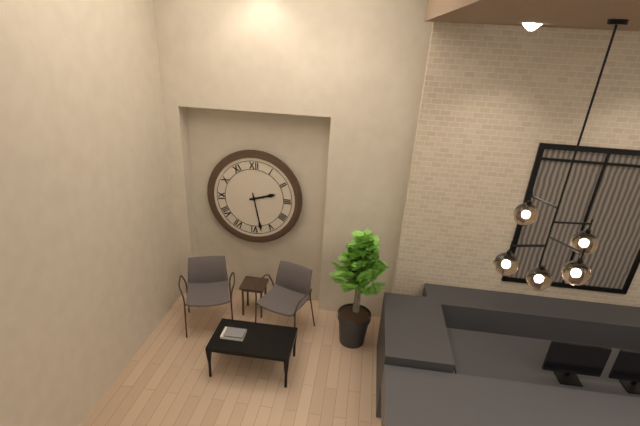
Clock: 2:28
